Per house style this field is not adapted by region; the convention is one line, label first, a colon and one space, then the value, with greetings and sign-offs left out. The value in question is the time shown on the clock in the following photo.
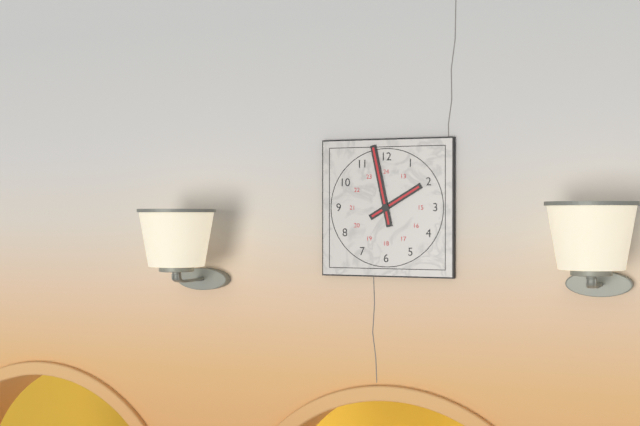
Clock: 1:58
